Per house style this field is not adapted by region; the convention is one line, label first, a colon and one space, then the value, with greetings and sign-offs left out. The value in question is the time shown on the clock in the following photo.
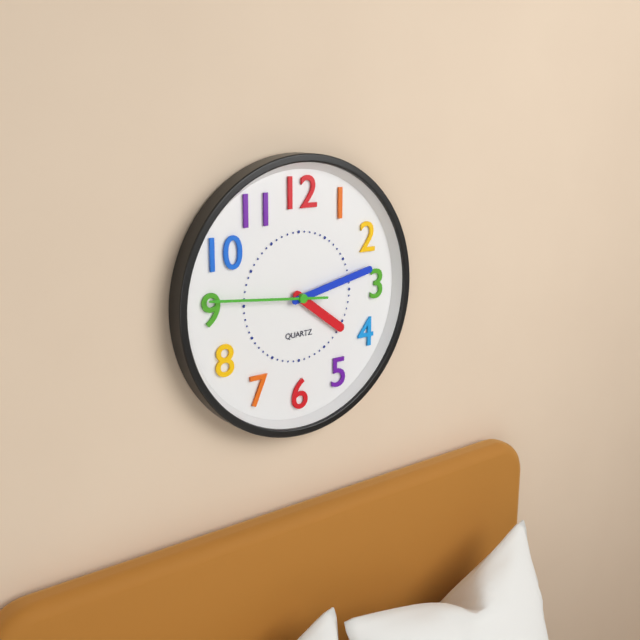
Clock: 4:13:46
